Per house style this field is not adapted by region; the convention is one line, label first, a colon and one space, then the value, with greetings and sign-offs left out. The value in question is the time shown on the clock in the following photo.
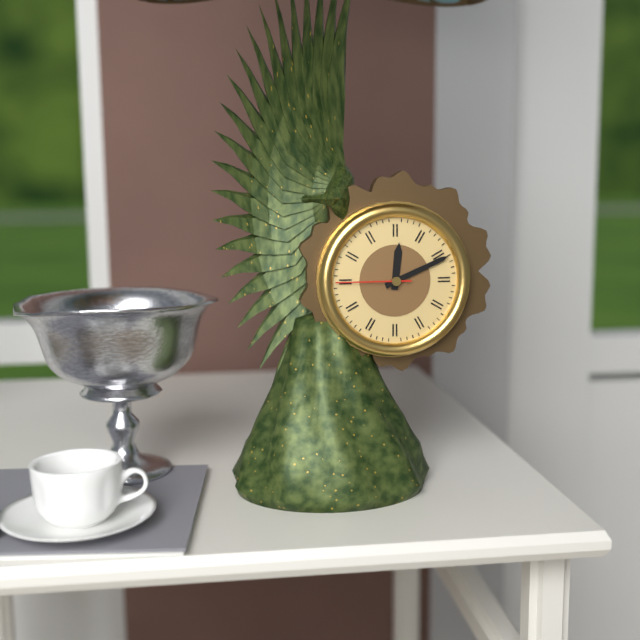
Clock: 12:11:45
